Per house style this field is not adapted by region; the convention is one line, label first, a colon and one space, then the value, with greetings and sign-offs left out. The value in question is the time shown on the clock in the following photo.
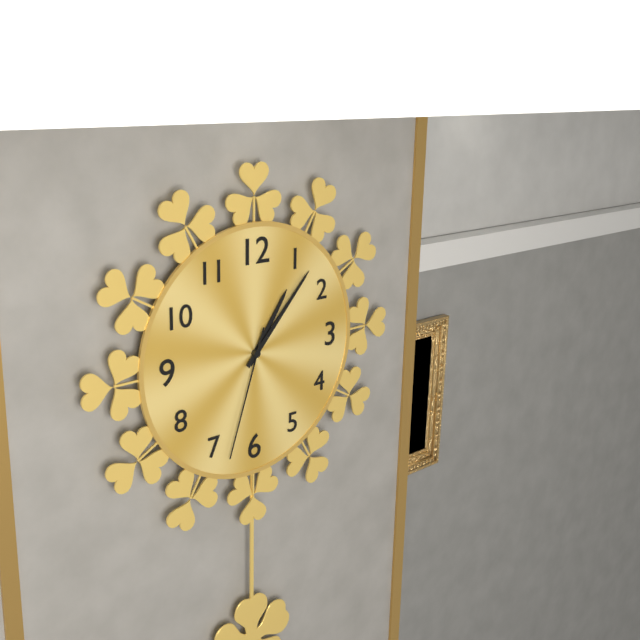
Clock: 1:07:33
